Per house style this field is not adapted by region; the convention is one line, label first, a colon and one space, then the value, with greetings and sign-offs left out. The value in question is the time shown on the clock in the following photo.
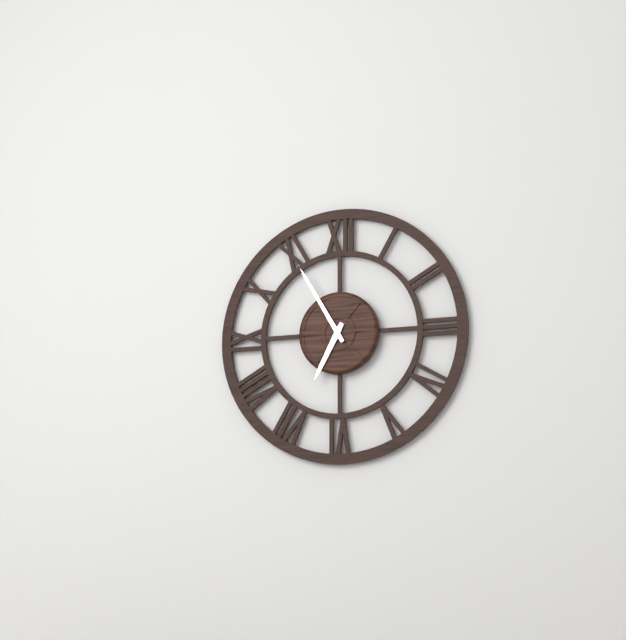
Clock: 6:55
